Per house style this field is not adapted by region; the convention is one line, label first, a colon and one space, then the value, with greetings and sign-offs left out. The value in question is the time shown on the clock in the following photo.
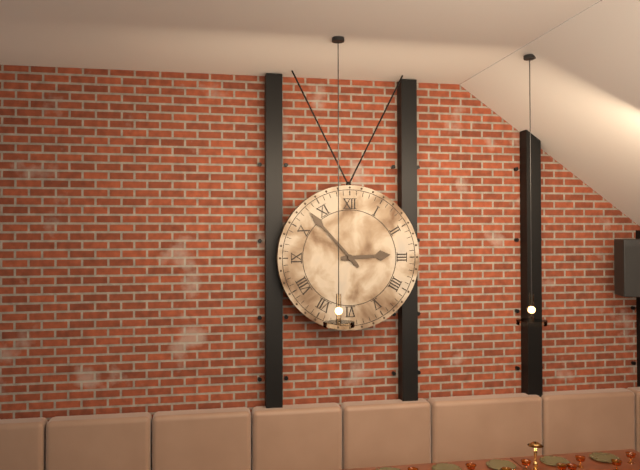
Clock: 2:53
